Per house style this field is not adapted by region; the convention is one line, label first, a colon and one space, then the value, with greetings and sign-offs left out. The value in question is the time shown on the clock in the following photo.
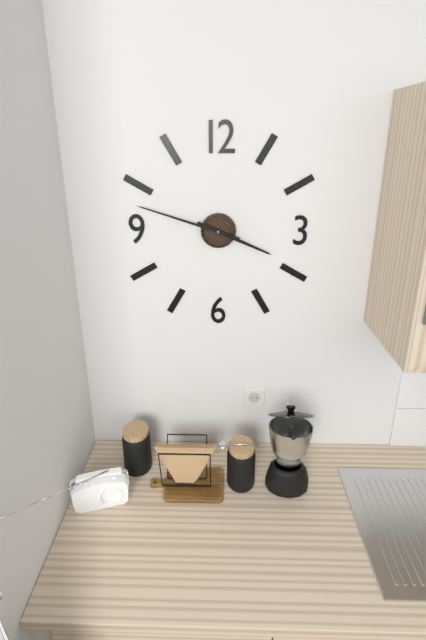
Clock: 3:48
